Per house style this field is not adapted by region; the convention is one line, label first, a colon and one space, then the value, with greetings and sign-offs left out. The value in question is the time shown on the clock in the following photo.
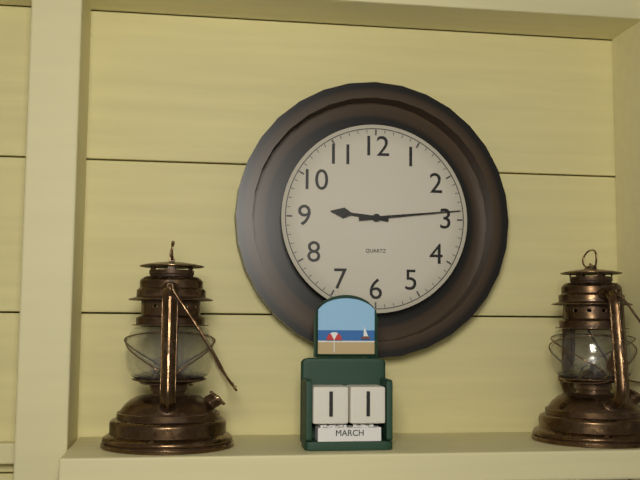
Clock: 9:14
